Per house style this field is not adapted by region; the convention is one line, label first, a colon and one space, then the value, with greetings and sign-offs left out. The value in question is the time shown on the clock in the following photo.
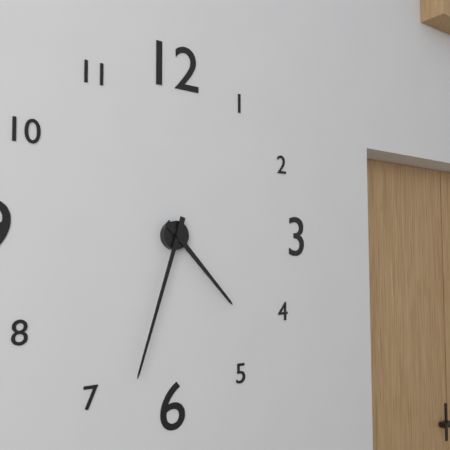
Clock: 4:33
